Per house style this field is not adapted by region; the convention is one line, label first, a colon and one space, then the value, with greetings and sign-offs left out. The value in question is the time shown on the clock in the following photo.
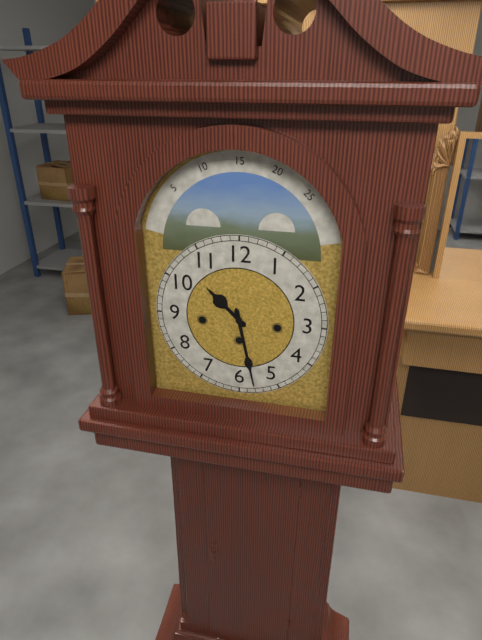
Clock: 10:28
